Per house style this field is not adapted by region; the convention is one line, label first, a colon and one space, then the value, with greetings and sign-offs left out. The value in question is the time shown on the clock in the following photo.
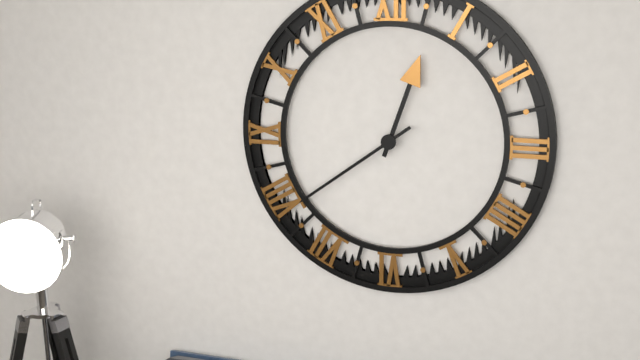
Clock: 12:39
